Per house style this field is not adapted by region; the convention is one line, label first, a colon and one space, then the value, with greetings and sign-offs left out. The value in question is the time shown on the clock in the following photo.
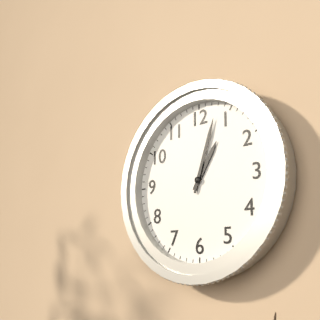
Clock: 1:03
